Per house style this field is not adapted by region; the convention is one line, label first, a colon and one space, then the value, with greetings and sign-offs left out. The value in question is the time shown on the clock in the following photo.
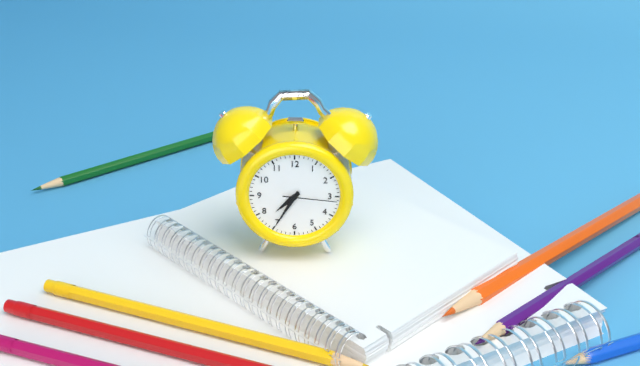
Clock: 7:35:16
